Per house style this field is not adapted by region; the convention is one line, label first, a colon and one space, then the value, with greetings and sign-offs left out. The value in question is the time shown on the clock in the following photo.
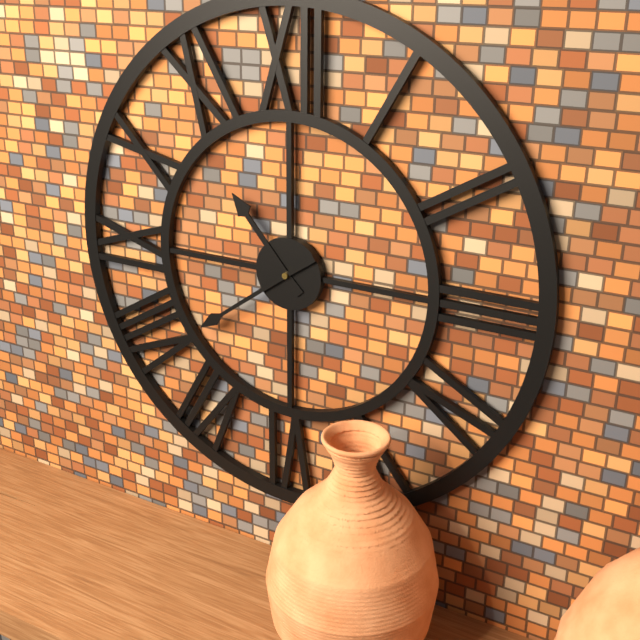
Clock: 10:39
